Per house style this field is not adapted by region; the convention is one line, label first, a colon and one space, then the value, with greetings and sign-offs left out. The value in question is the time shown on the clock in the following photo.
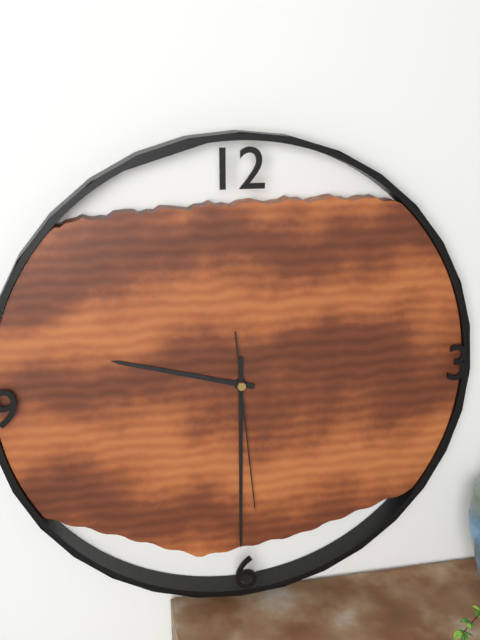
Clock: 9:30:29
